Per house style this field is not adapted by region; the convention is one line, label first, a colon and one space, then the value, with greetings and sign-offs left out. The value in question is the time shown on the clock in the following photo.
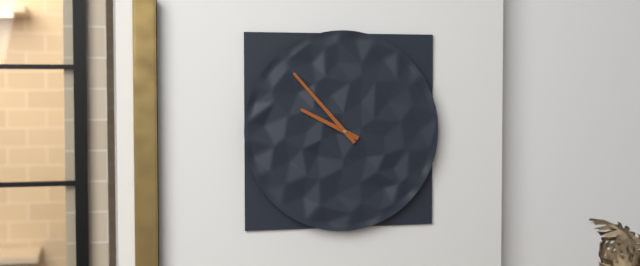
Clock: 9:53
